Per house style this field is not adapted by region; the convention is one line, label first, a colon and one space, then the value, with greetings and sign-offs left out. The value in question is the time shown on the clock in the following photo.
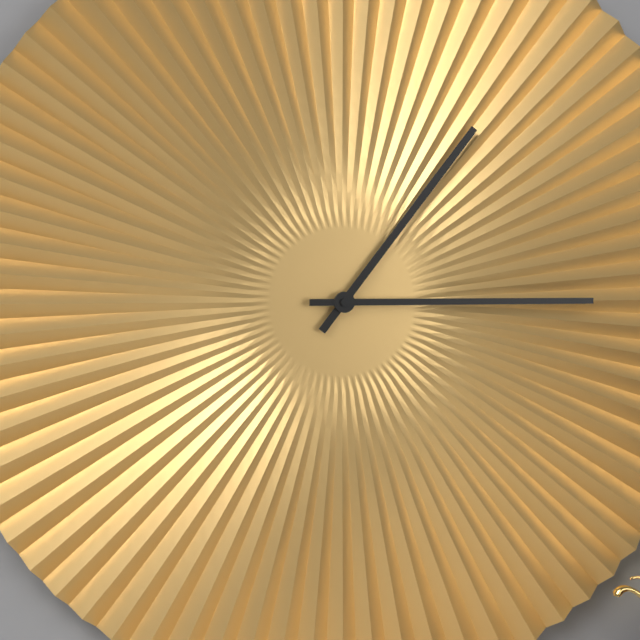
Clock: 1:15
